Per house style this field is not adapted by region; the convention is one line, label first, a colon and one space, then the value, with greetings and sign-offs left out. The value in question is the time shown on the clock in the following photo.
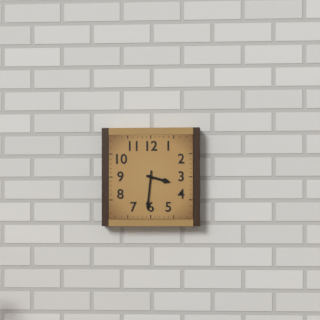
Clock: 3:31
